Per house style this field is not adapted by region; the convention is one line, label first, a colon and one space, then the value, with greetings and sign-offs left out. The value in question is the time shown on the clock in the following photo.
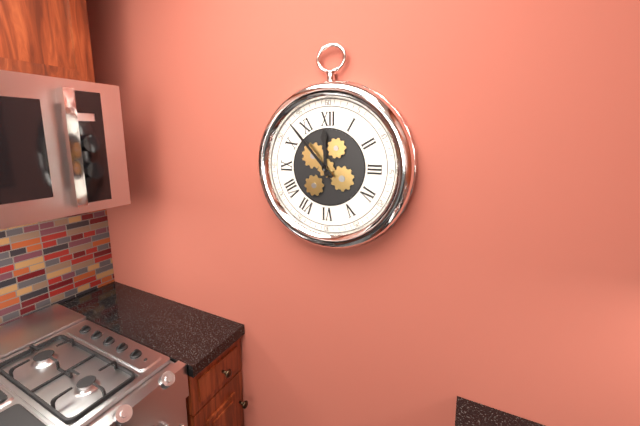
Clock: 11:53
